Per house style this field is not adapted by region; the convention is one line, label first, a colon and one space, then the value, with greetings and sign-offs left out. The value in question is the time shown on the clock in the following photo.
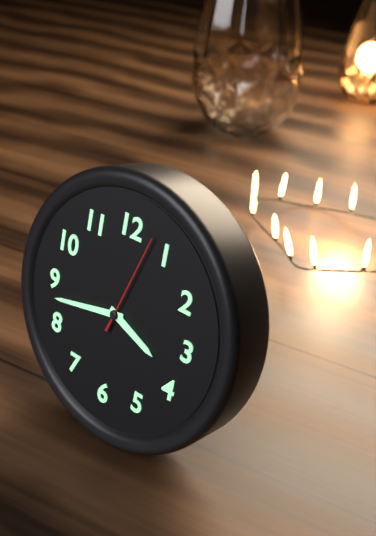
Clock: 3:43:03
